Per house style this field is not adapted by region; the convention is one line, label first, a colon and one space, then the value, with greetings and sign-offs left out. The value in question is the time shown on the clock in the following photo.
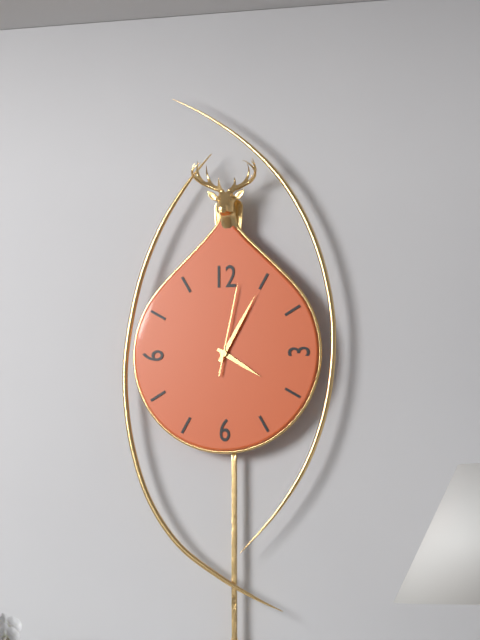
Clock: 4:05:02
